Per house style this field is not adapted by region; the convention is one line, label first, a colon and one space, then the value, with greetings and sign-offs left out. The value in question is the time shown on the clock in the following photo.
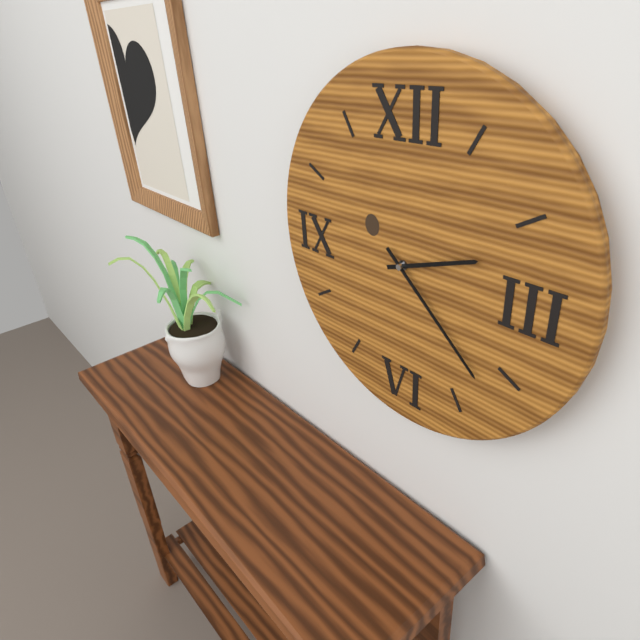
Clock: 2:22
